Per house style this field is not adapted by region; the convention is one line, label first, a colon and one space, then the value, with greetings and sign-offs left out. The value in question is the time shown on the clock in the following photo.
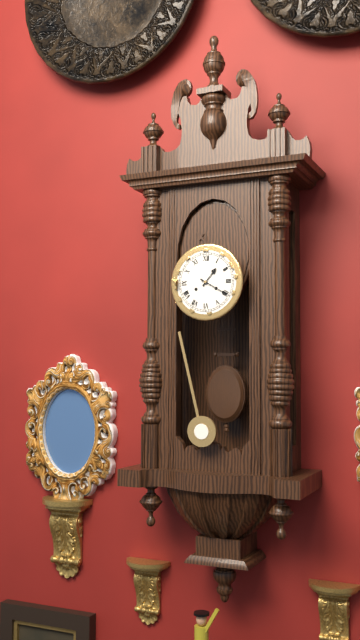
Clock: 1:20
